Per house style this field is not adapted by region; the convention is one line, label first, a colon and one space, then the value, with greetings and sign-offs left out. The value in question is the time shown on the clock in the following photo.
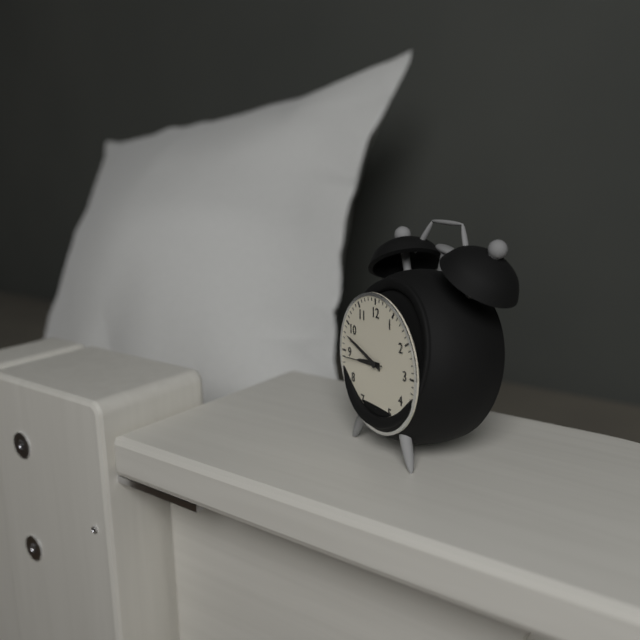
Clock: 8:48
